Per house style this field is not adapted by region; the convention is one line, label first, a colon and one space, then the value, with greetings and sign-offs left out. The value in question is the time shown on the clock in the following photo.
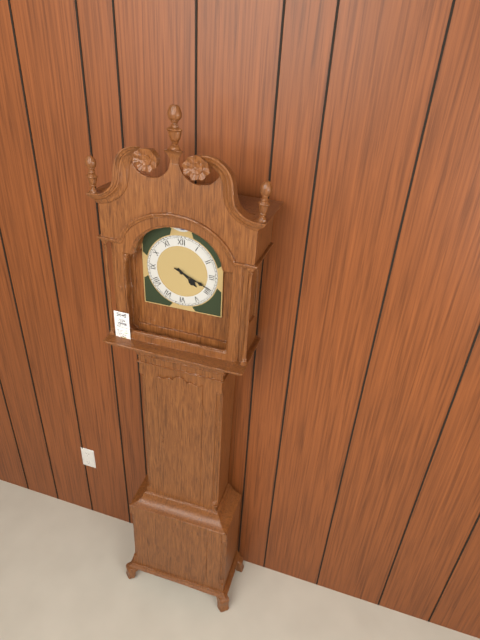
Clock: 4:19
